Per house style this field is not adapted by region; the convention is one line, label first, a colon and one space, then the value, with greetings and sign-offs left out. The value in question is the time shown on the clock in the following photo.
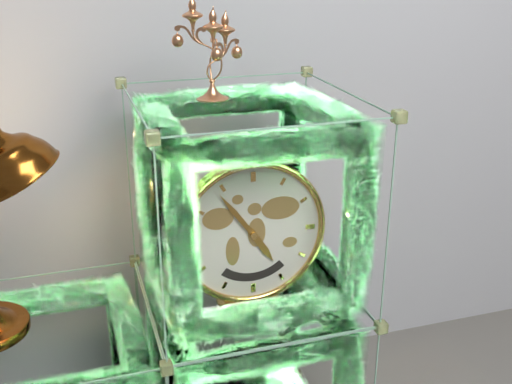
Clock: 4:54
